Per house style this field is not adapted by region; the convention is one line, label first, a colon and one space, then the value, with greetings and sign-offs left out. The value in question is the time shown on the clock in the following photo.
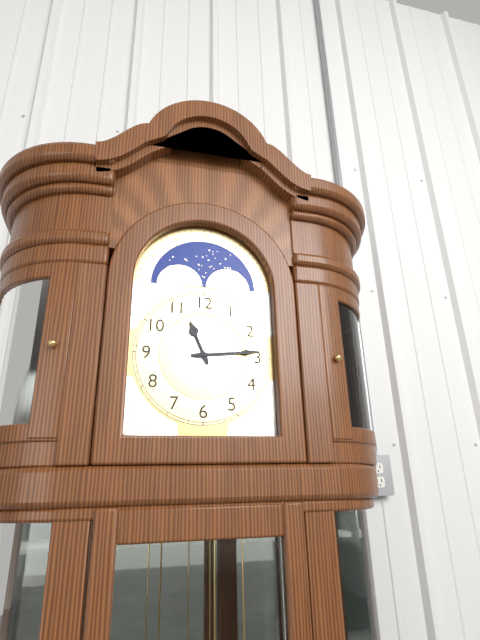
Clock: 11:14
